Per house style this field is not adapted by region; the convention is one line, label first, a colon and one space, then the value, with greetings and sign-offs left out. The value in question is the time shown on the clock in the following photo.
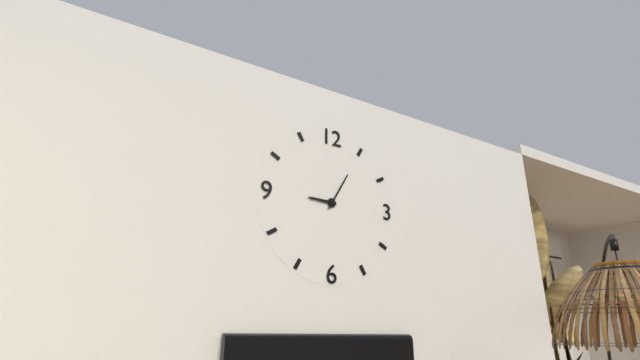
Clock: 9:05
